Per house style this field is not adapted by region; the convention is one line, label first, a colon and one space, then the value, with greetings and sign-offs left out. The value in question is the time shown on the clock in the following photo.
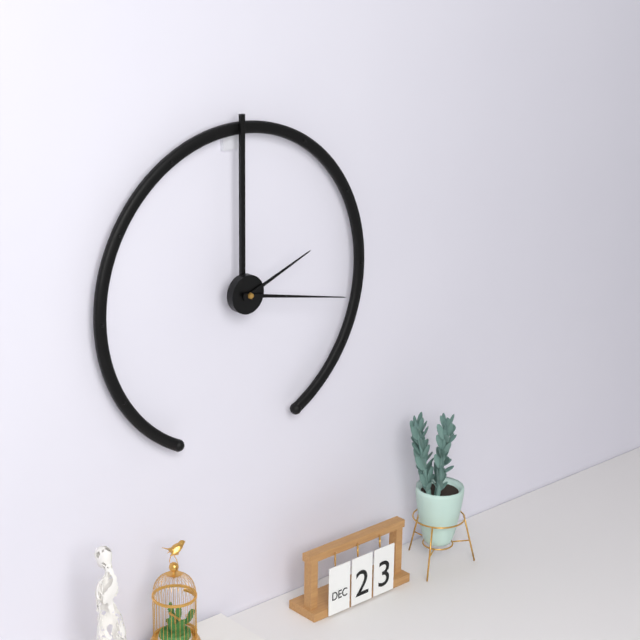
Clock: 2:17
